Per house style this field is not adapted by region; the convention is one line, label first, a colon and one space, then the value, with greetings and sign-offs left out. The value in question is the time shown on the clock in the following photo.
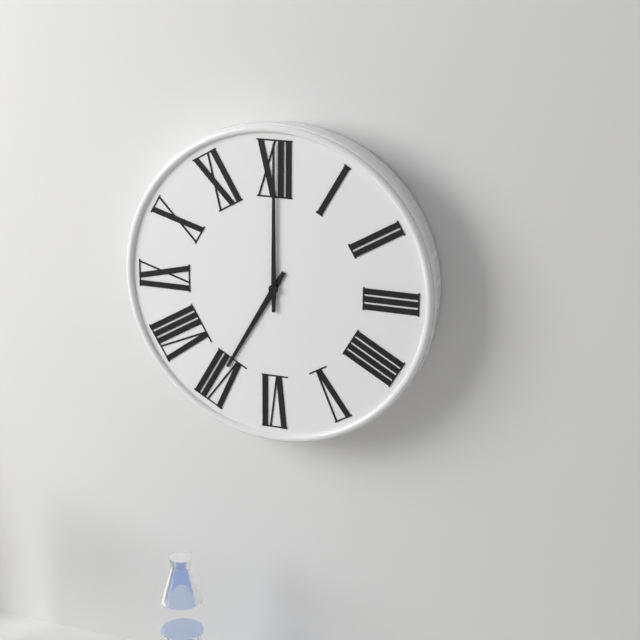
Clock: 7:00
